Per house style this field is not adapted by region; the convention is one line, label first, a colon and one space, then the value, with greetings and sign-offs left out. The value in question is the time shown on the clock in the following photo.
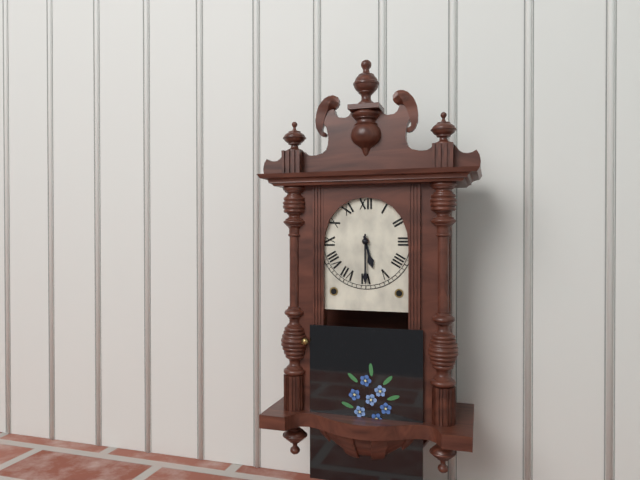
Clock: 5:30
